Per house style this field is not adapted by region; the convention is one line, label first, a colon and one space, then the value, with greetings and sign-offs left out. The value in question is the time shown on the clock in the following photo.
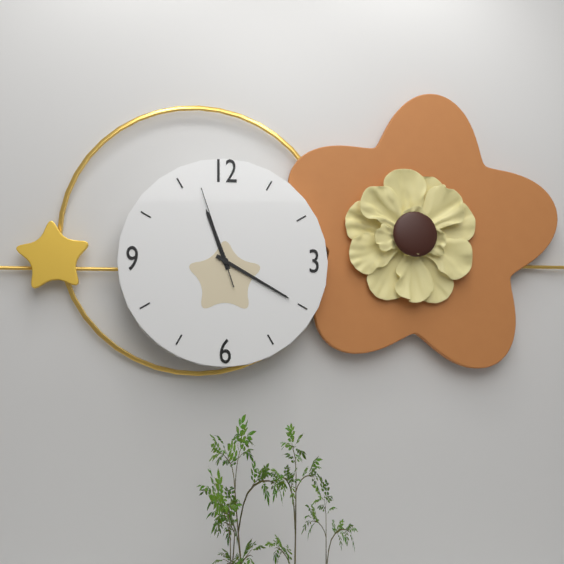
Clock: 11:20:57
